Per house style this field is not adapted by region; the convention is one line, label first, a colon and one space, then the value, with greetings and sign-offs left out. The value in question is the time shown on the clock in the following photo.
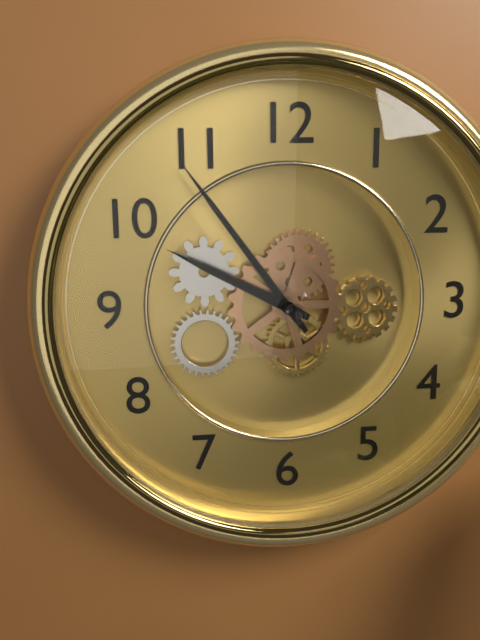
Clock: 9:54
